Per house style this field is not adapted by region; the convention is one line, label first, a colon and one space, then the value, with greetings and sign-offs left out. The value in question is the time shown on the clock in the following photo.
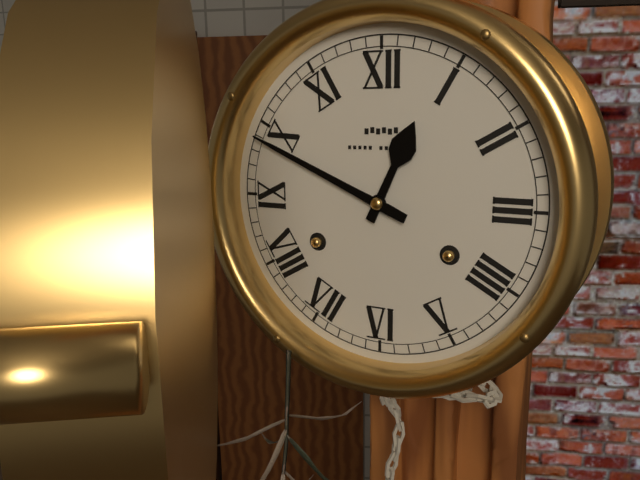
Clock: 12:49
